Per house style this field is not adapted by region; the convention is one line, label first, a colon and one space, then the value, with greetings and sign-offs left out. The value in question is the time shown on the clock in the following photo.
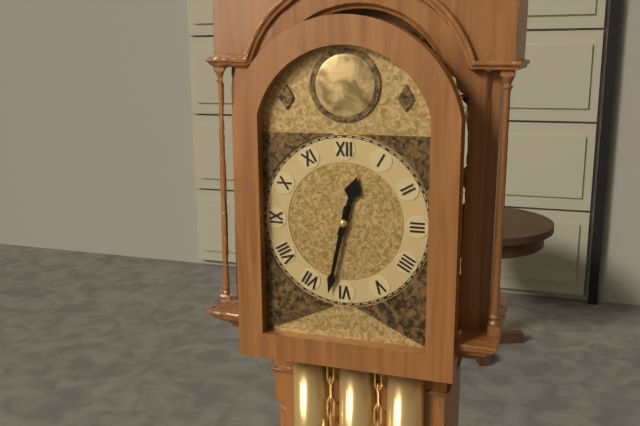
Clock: 12:32
